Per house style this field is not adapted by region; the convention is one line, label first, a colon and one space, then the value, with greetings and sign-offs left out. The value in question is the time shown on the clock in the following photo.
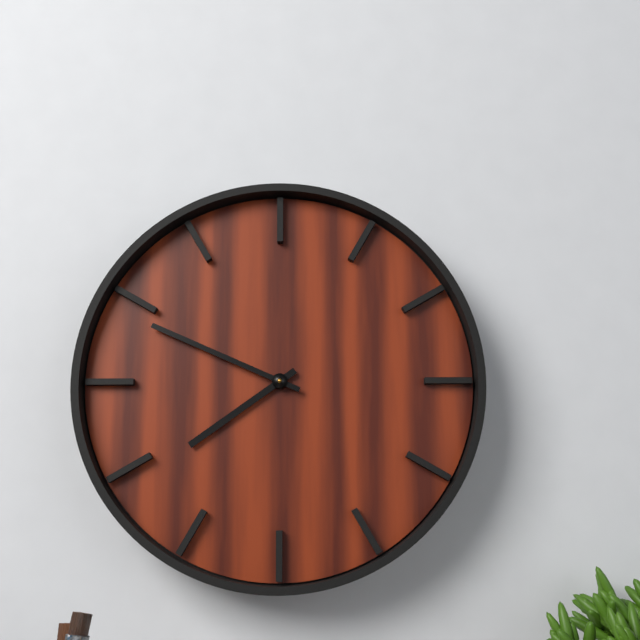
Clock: 7:49
